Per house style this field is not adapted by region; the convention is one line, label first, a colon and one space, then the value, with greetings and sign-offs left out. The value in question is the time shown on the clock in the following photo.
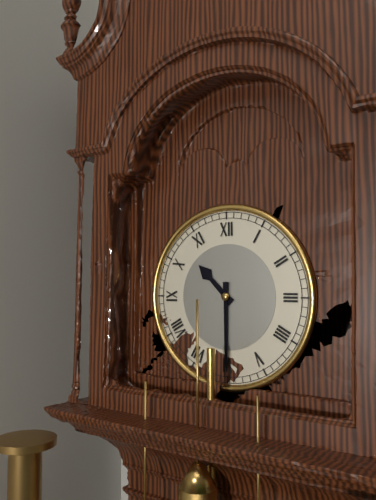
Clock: 10:30
